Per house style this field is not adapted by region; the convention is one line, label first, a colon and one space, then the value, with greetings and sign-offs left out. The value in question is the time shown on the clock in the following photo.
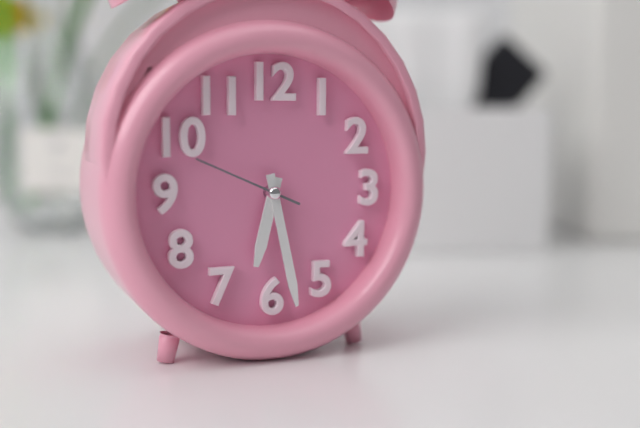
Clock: 6:28:49
